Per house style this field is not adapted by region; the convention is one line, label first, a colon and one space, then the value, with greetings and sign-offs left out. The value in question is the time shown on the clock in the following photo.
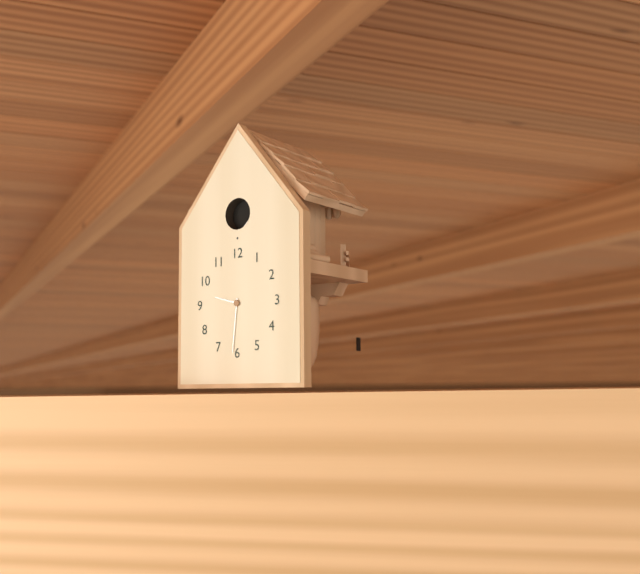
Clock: 9:31
